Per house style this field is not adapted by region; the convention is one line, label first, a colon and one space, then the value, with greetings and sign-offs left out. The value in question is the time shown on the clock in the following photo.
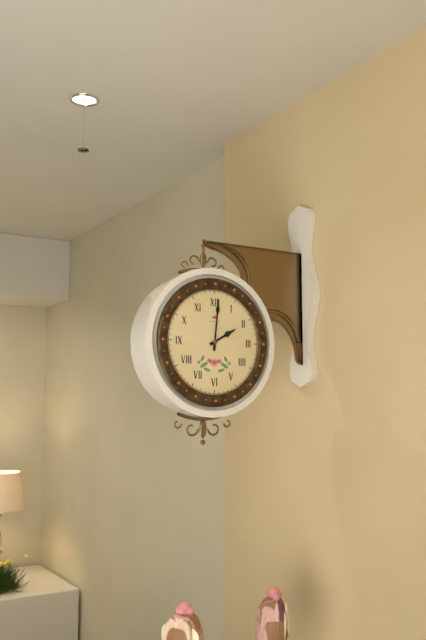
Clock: 2:01
